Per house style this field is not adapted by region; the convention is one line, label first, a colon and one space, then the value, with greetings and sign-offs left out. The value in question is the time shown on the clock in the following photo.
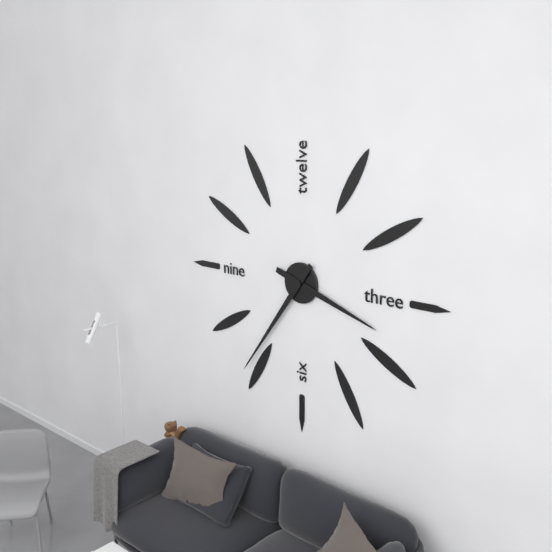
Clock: 3:36
